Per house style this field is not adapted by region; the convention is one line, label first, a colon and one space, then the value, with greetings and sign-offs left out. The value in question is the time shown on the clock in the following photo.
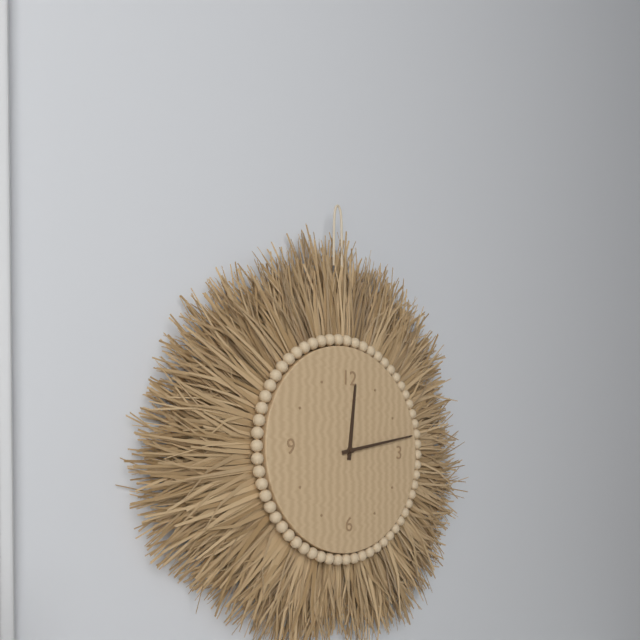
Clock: 12:13
